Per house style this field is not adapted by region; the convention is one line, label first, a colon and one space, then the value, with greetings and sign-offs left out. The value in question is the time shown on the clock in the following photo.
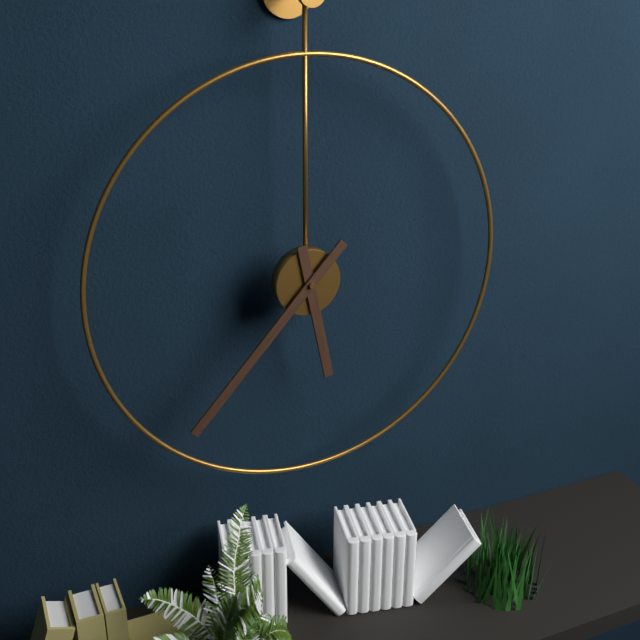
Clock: 5:37
